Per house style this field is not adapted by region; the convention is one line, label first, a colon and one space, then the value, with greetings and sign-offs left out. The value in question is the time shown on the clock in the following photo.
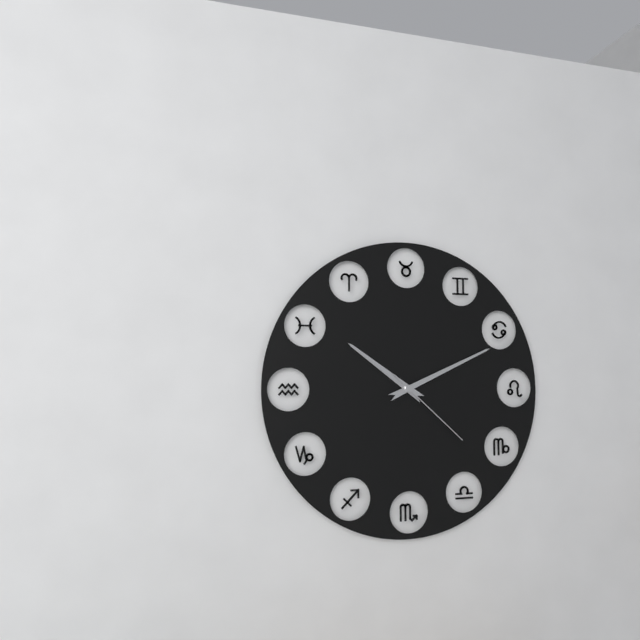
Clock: 10:11:22
